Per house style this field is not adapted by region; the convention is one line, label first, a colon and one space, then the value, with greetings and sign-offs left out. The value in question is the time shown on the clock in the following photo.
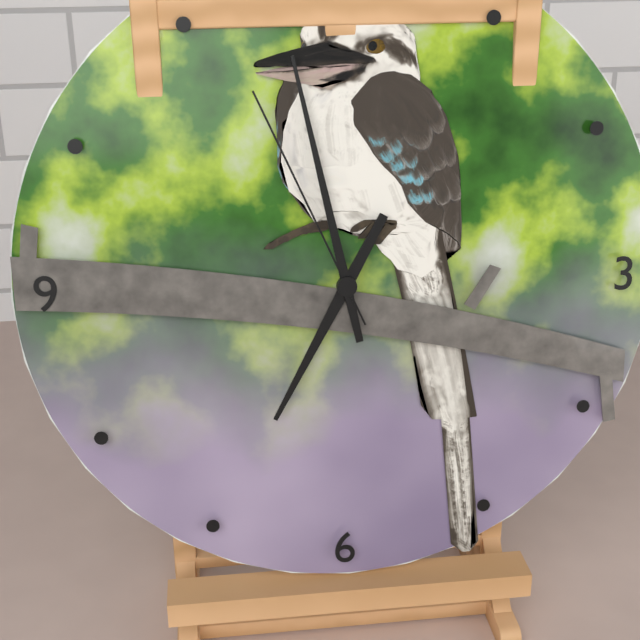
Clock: 6:58:56
